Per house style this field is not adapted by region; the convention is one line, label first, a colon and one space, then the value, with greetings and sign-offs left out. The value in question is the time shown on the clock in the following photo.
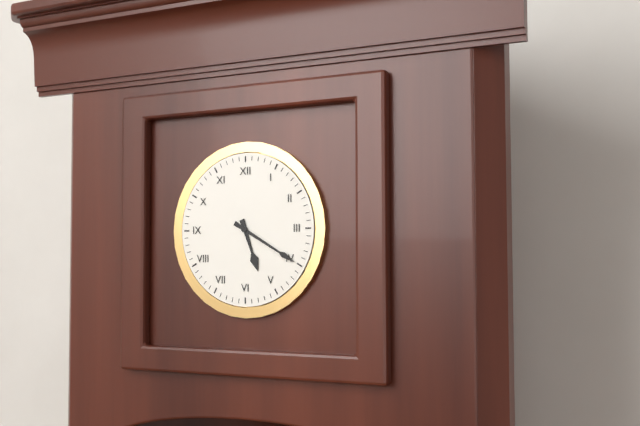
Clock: 5:20
